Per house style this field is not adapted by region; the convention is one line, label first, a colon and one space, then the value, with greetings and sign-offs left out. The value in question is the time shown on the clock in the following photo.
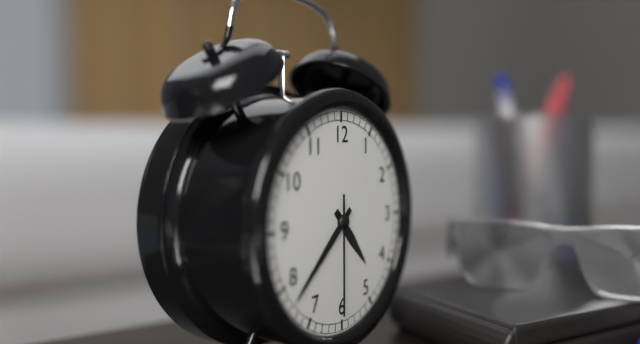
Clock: 4:38:30
